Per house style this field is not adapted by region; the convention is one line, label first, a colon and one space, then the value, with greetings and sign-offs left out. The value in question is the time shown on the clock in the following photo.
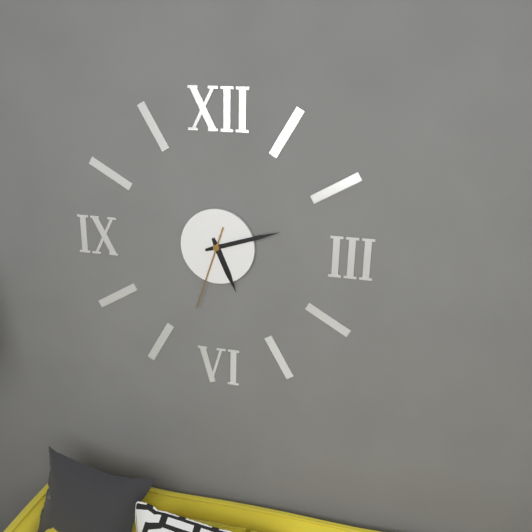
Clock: 5:12:33
